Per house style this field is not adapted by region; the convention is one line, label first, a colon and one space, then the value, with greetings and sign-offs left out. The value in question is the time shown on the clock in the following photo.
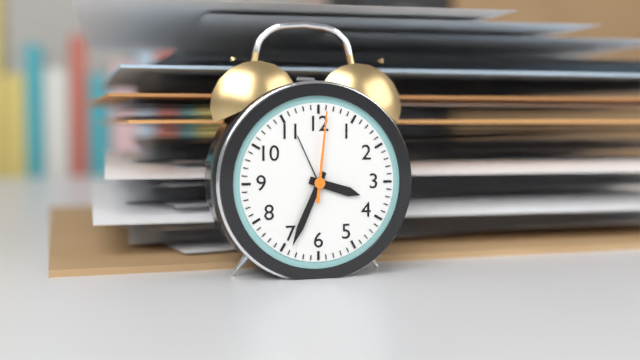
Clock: 3:34:01
